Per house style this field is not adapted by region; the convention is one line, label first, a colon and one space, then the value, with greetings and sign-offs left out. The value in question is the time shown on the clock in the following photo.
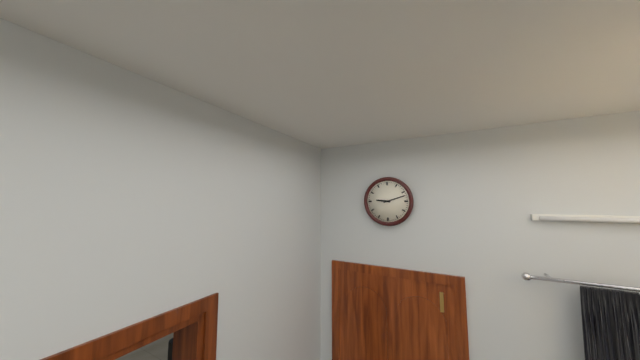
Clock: 9:12
